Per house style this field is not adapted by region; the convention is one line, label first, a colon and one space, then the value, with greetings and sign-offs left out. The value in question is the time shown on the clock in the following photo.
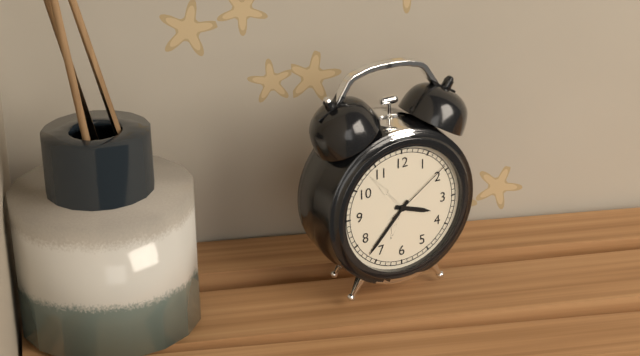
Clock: 3:37:09
